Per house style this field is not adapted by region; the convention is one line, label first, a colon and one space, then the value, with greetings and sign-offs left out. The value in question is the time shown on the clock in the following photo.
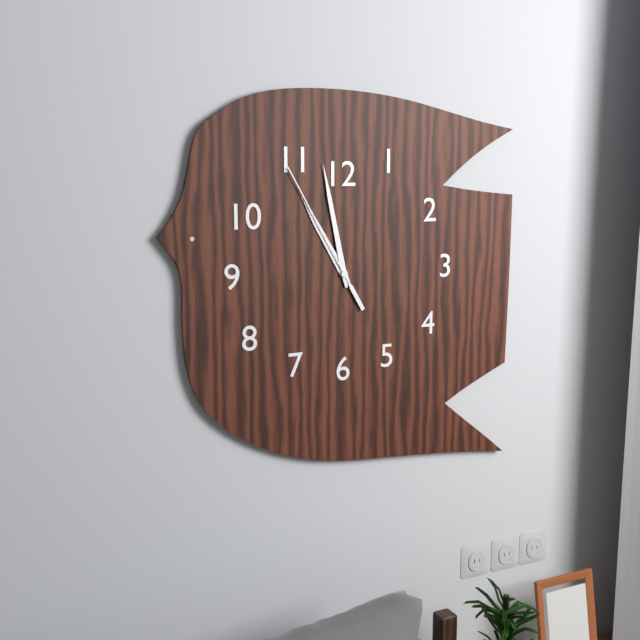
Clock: 10:58:55
